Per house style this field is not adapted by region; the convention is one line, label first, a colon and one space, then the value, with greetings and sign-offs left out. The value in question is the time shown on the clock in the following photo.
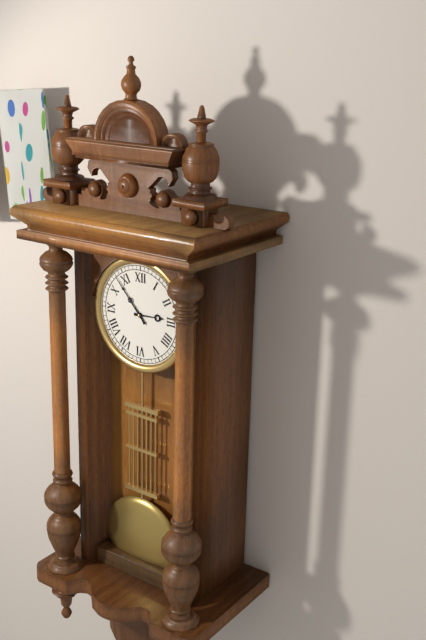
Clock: 2:53
